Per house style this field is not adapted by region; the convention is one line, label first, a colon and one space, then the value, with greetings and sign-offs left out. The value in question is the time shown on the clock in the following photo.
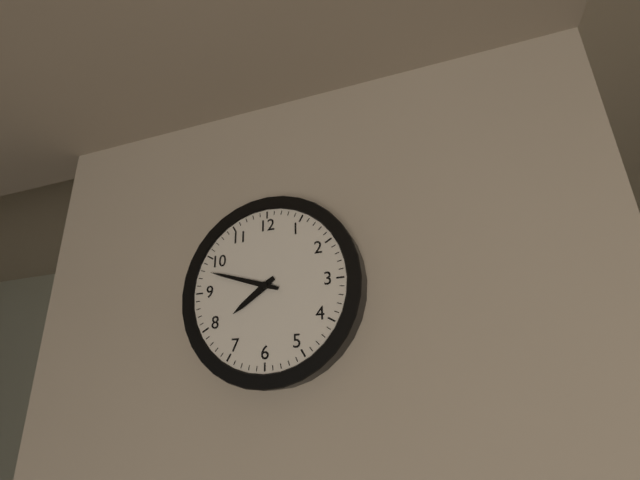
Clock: 7:48
